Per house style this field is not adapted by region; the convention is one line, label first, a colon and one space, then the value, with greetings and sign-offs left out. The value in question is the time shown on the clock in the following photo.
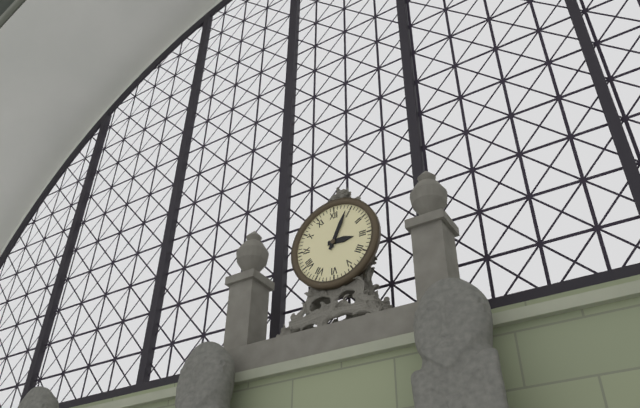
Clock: 3:04
